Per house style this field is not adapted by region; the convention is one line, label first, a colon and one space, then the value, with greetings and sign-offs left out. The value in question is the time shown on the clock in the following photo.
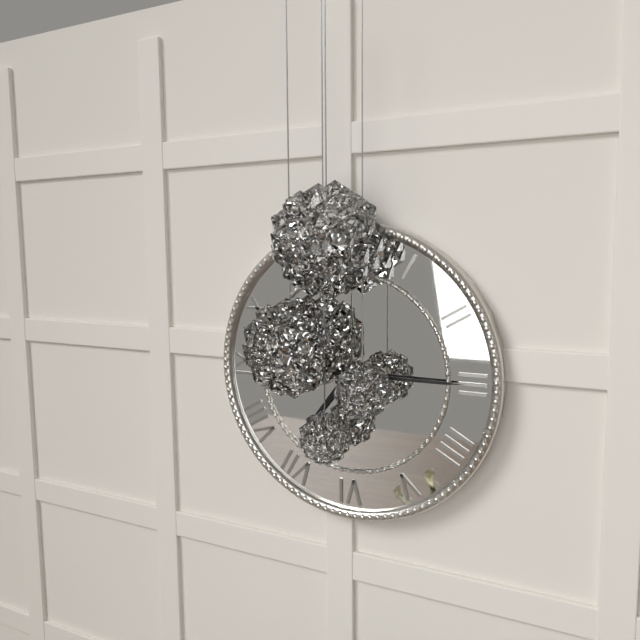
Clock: 7:15
